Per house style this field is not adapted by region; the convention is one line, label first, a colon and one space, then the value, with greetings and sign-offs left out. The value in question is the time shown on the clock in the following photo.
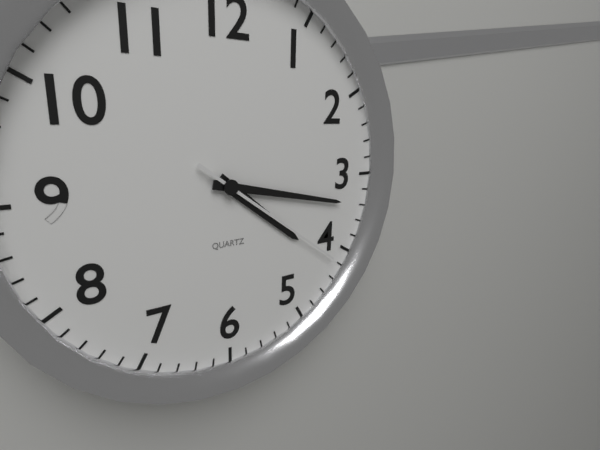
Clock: 4:17:21
